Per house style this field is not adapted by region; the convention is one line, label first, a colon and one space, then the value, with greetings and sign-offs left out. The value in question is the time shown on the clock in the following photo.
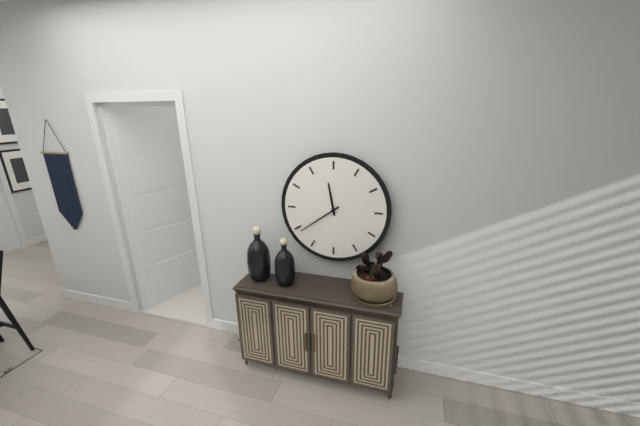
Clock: 11:39
